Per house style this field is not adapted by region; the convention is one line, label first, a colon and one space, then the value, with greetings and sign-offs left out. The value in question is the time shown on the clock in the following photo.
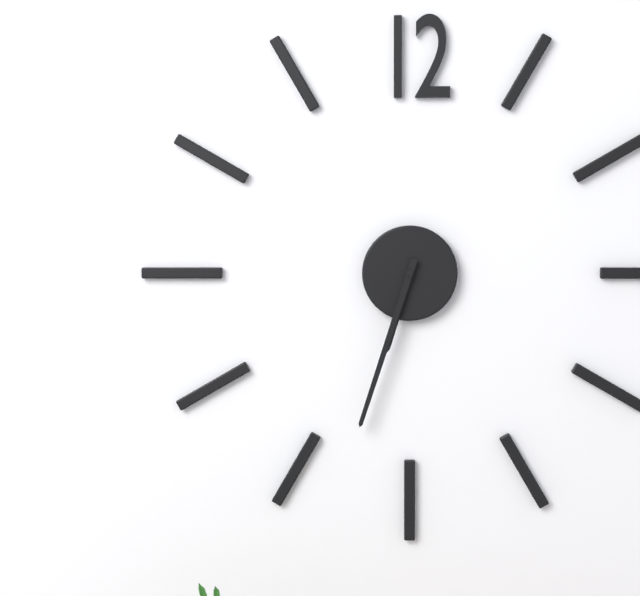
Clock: 6:33
